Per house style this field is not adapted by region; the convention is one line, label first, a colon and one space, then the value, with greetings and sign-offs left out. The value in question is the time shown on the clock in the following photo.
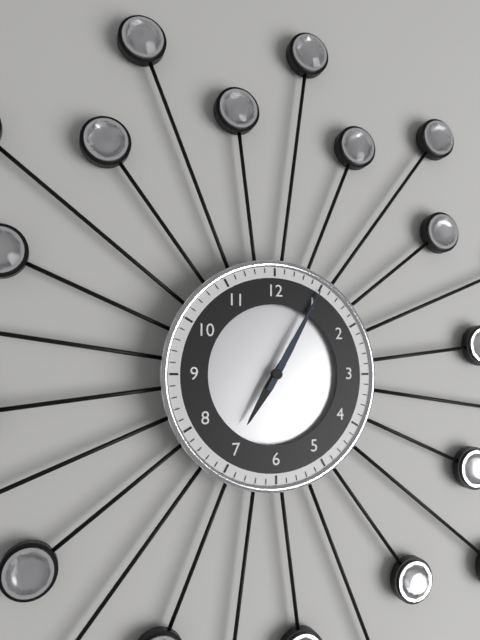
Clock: 7:05
